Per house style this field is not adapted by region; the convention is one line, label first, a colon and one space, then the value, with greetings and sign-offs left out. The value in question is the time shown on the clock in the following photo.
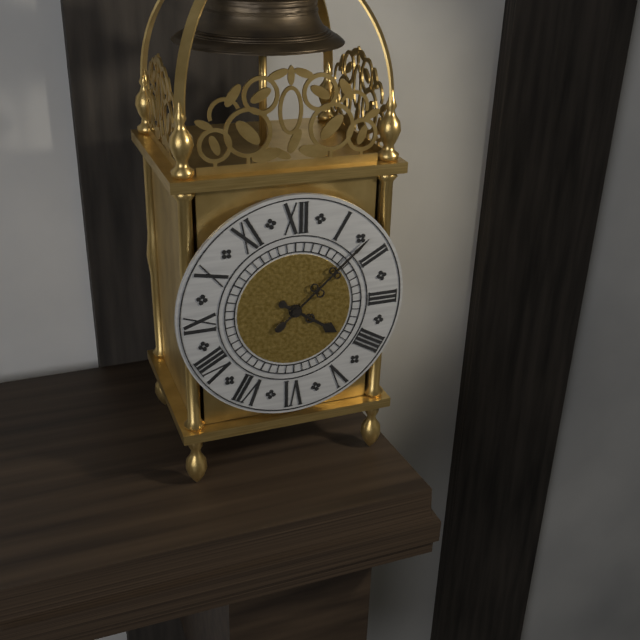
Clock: 4:08
